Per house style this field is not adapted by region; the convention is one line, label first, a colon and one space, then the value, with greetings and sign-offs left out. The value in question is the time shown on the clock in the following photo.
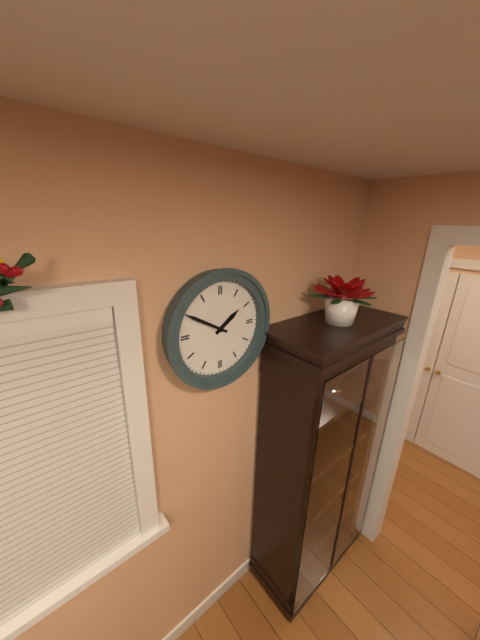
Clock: 1:50
